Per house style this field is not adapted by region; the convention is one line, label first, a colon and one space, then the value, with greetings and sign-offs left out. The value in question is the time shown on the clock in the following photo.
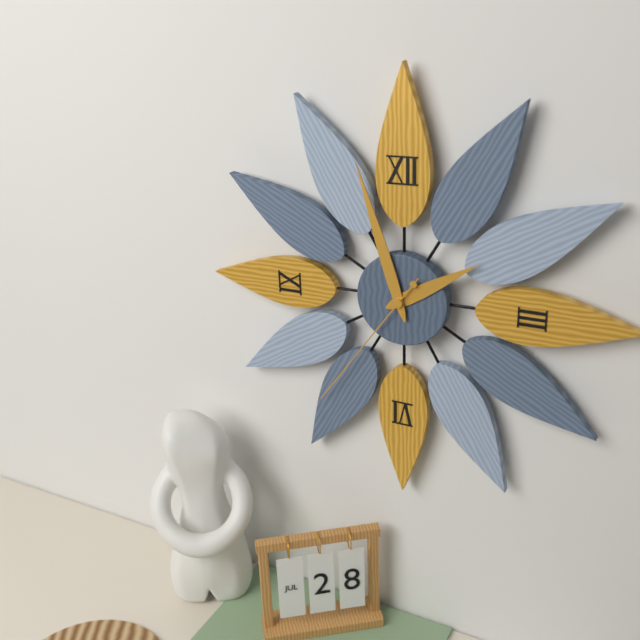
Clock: 1:57:36
